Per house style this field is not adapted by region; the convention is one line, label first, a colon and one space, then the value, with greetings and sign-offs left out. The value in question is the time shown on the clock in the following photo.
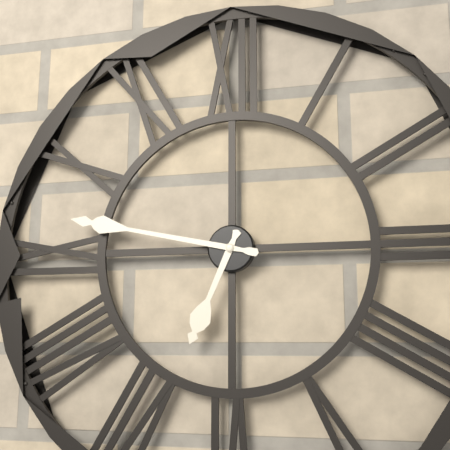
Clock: 6:47
